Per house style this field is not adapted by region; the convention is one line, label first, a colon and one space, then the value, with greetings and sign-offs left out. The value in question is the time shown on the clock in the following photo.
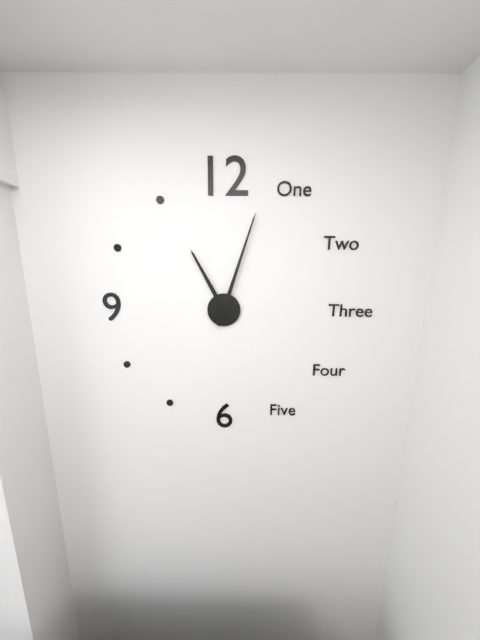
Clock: 11:03
